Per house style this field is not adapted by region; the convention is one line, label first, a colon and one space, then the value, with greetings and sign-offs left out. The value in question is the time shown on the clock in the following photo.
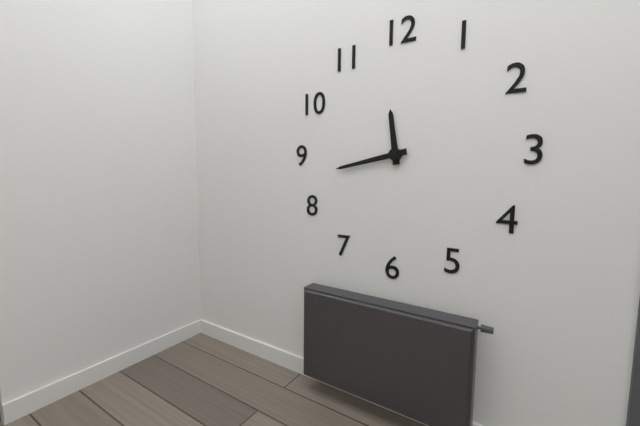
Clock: 11:43
